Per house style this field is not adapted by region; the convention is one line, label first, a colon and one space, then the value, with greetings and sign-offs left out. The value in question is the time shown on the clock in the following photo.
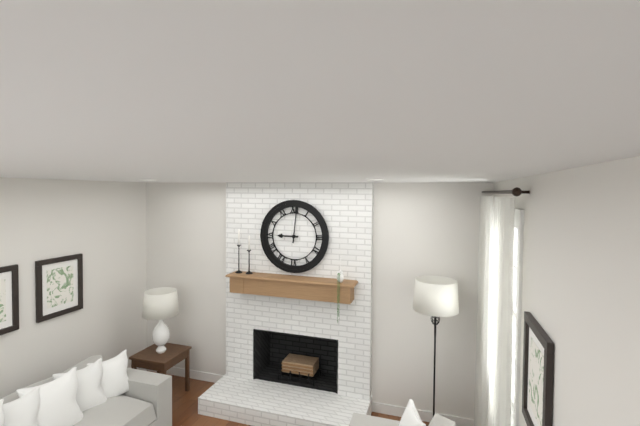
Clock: 9:01
